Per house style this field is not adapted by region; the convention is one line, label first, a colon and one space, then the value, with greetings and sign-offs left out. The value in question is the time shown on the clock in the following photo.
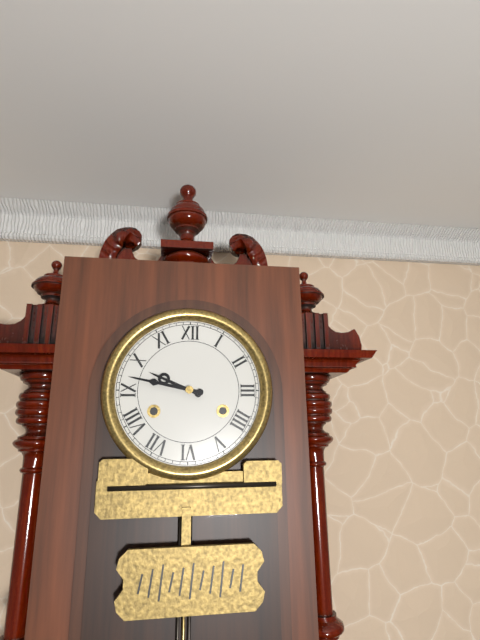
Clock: 9:47
